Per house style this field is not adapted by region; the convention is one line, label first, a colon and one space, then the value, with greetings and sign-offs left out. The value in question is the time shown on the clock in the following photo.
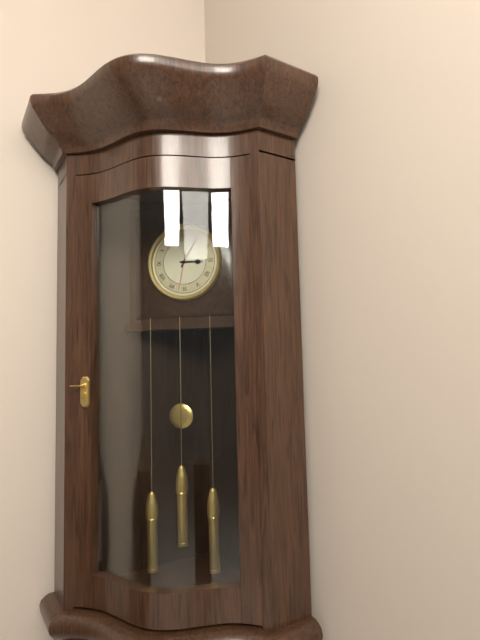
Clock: 3:05
